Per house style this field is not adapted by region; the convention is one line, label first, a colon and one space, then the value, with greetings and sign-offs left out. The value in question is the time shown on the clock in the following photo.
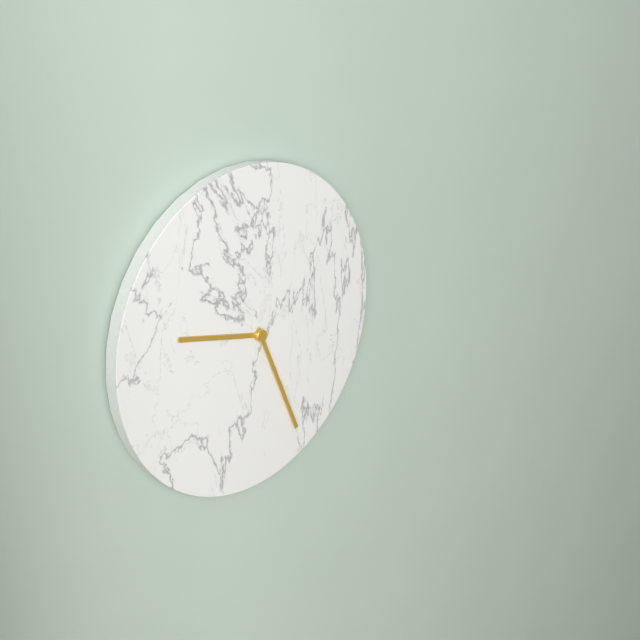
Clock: 9:26
